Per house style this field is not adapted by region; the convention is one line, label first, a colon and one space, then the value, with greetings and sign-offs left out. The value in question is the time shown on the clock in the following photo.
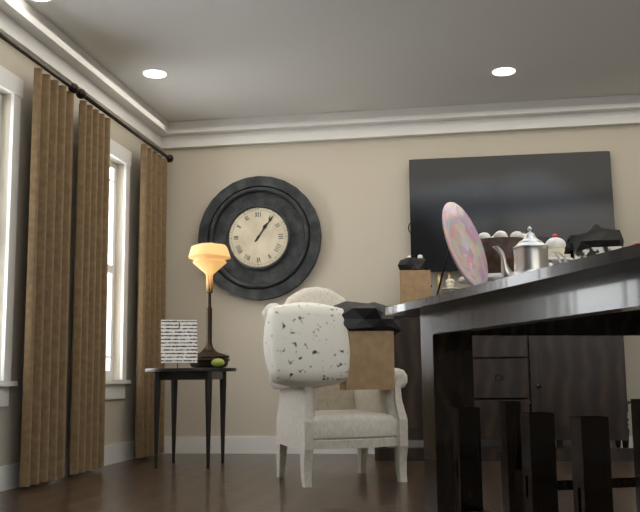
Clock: 1:06
